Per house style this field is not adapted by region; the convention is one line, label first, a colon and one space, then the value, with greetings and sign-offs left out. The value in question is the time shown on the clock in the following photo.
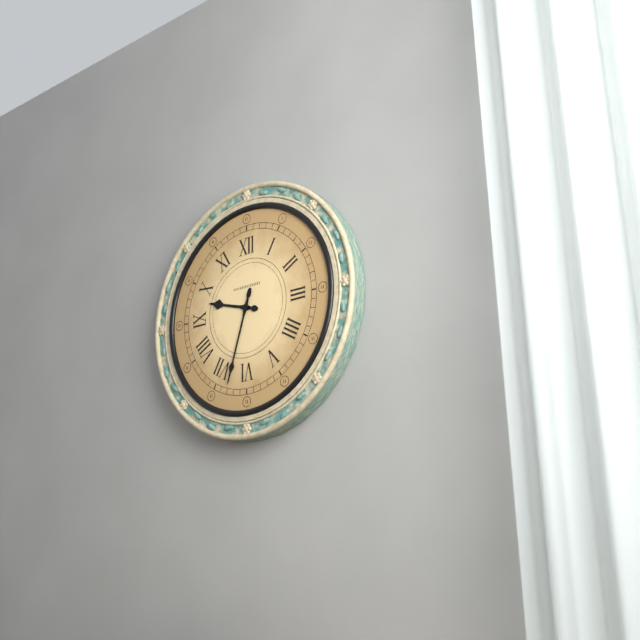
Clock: 9:33
